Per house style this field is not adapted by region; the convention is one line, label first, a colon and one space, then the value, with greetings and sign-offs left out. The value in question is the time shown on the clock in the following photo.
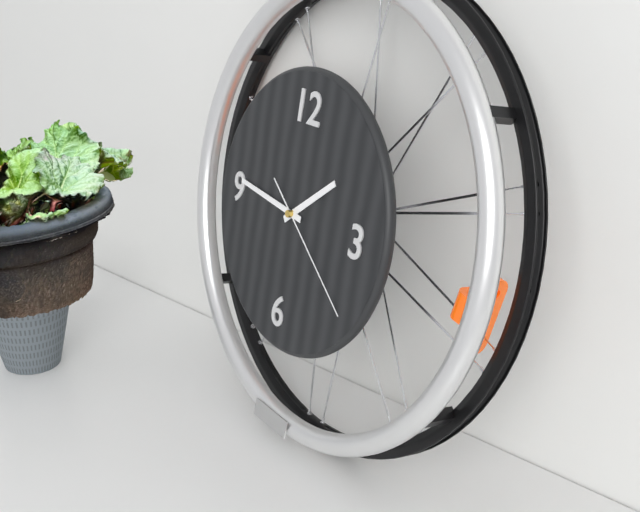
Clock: 1:46:21
